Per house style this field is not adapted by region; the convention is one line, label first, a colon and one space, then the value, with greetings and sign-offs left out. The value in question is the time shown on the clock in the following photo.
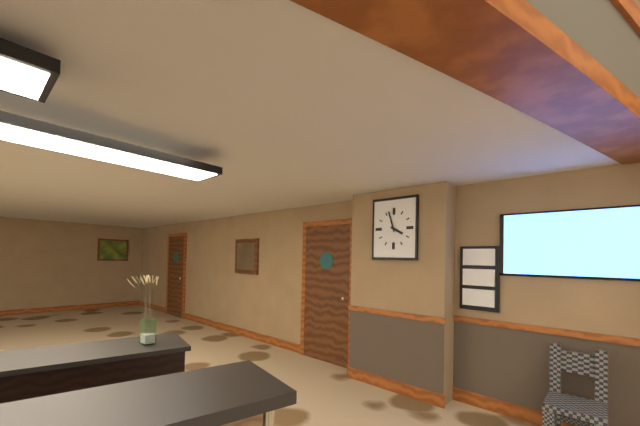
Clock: 3:57
